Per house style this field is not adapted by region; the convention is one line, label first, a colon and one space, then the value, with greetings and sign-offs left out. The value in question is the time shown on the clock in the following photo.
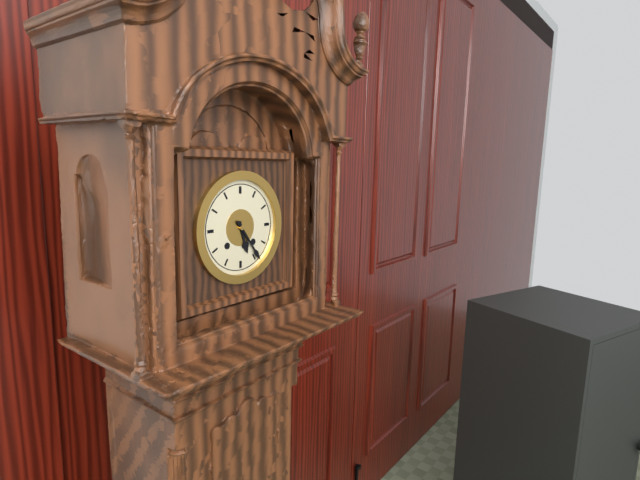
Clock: 5:24
